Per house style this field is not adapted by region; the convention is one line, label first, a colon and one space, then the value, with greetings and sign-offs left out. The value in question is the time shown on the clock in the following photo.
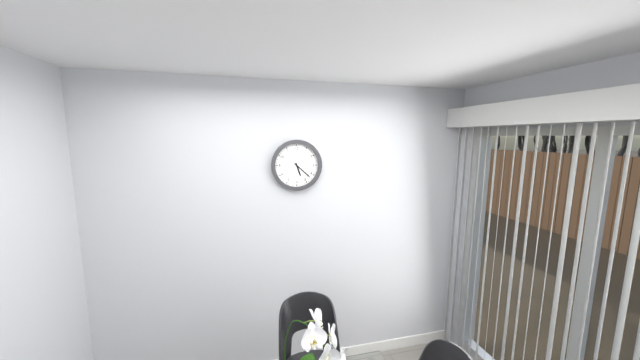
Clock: 5:22
